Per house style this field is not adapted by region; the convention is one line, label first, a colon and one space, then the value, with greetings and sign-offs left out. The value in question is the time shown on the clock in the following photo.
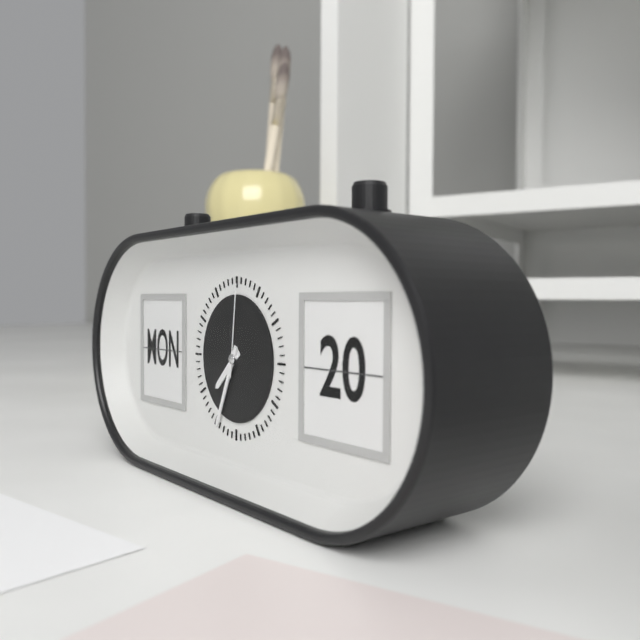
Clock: 7:34:01
